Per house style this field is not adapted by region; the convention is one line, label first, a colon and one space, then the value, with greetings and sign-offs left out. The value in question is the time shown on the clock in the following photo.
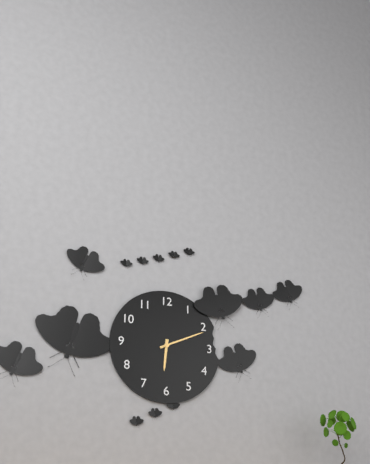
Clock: 6:11
